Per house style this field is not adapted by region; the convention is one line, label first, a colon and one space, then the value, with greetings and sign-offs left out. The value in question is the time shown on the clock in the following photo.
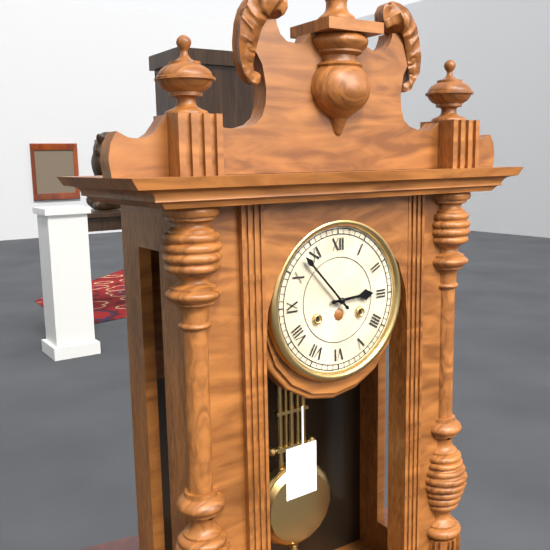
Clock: 2:53
